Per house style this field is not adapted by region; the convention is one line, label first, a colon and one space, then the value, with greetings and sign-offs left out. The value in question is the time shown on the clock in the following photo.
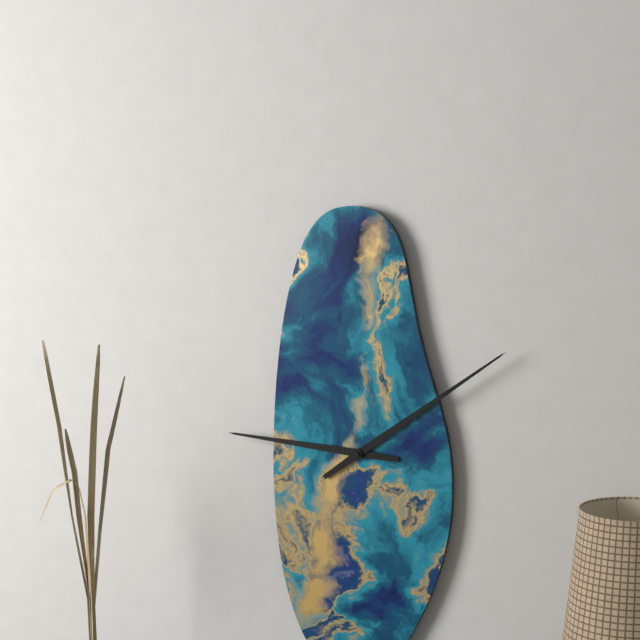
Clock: 9:09
